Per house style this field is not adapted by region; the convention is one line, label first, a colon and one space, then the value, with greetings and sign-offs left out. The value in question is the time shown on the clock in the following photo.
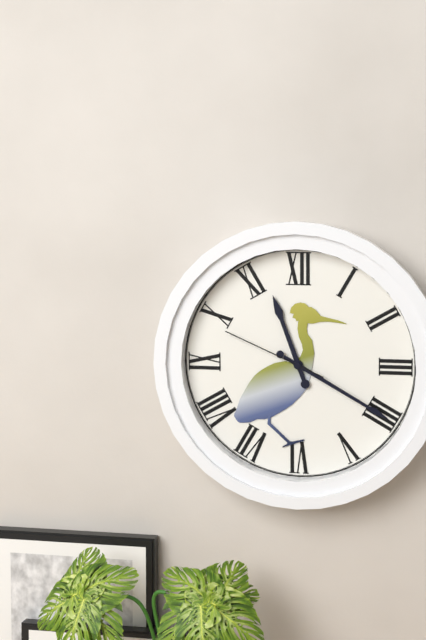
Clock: 11:20:49
